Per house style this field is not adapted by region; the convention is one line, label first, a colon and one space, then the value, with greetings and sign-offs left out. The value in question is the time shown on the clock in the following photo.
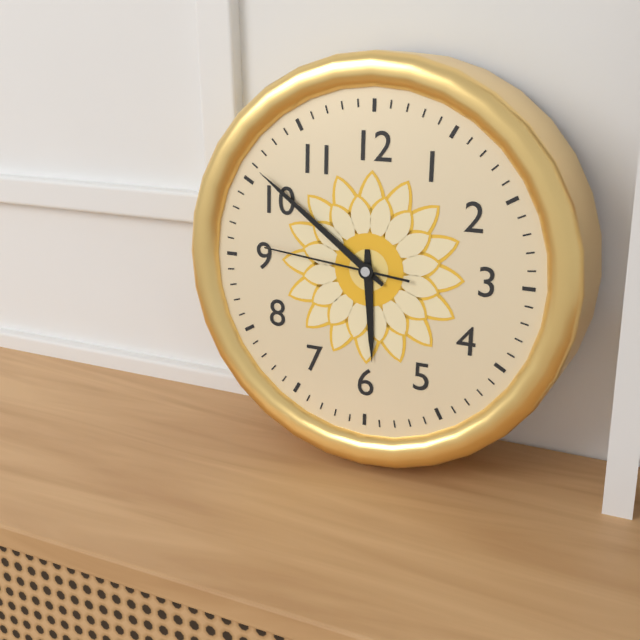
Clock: 5:51:46
